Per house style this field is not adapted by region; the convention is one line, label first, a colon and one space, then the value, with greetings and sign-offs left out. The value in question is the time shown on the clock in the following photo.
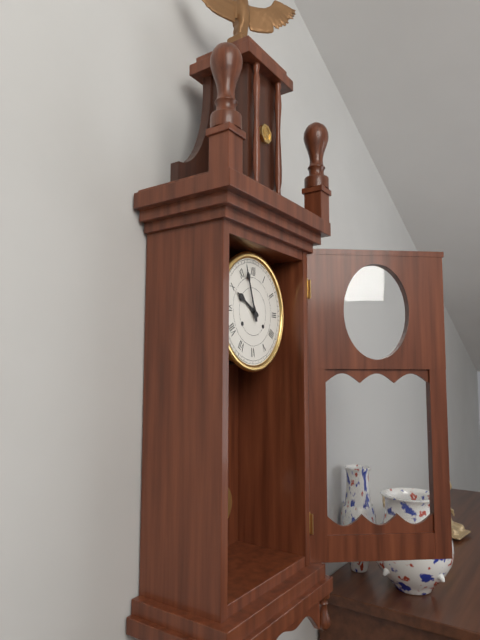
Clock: 9:57
